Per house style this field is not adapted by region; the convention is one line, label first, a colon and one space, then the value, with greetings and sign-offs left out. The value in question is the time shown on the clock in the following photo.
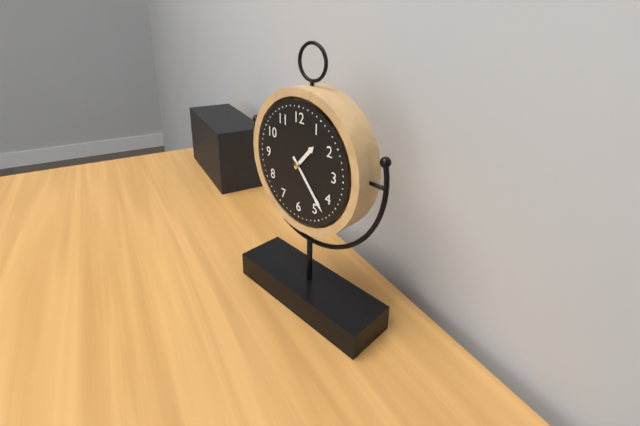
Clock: 1:23
